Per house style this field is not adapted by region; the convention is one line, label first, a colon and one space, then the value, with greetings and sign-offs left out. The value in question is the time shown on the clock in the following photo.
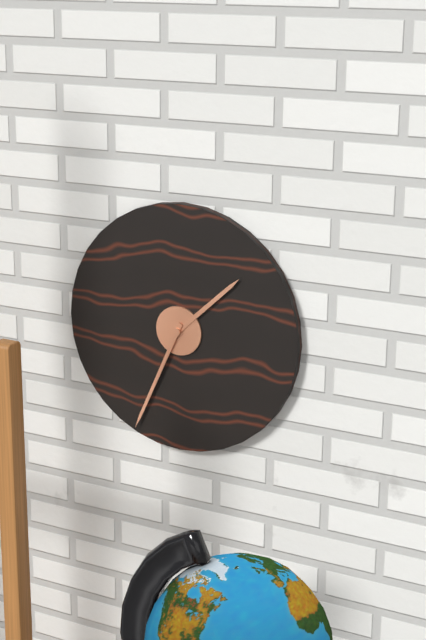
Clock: 1:34
